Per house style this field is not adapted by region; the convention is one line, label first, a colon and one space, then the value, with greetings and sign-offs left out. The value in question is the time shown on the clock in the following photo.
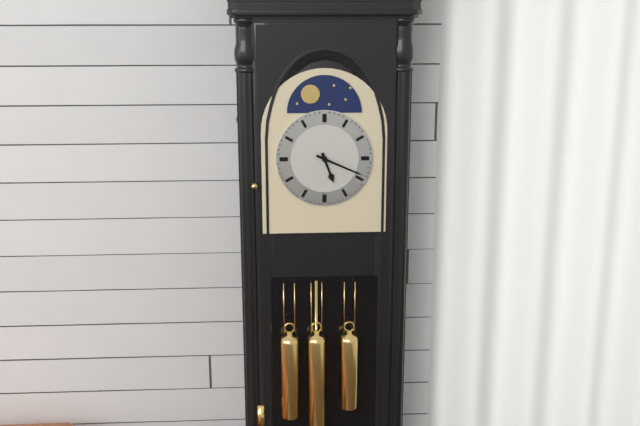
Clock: 5:19
